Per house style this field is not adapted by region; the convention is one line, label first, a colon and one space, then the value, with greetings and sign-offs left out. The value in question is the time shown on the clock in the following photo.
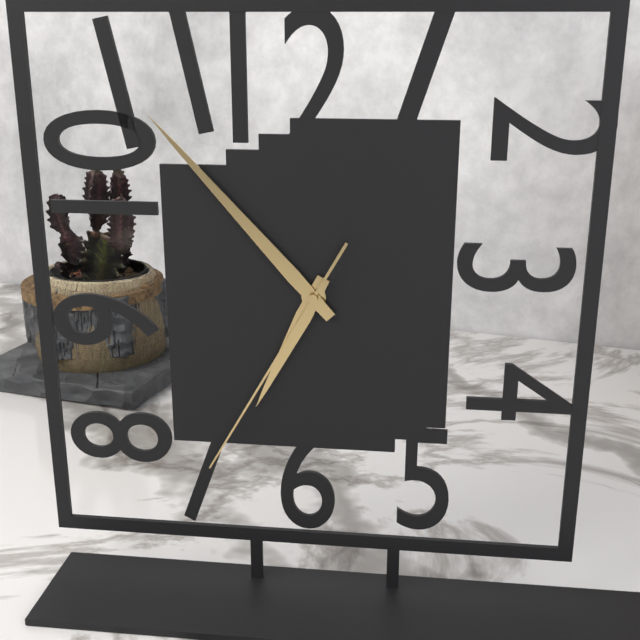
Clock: 6:53:35
